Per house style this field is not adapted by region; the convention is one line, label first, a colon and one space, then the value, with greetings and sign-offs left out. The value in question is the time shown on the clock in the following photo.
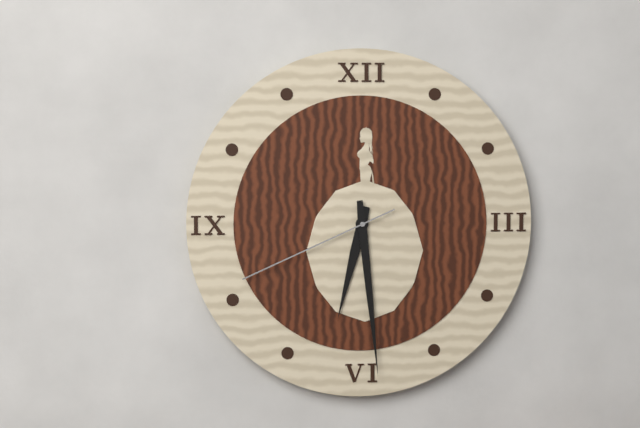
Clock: 6:29:41
